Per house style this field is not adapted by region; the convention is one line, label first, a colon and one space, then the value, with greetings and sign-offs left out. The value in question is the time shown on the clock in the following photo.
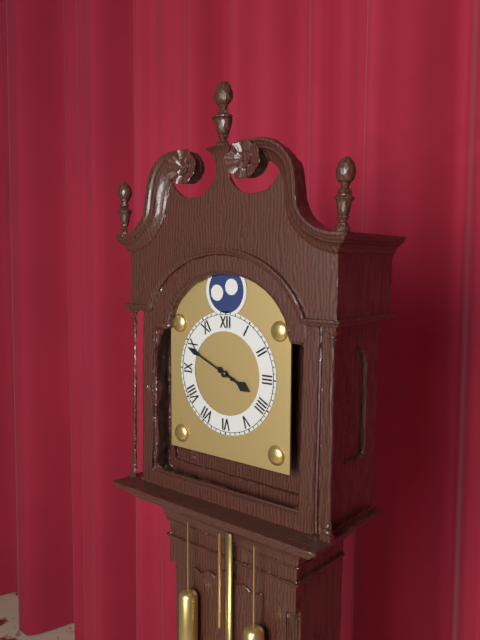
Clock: 3:49
